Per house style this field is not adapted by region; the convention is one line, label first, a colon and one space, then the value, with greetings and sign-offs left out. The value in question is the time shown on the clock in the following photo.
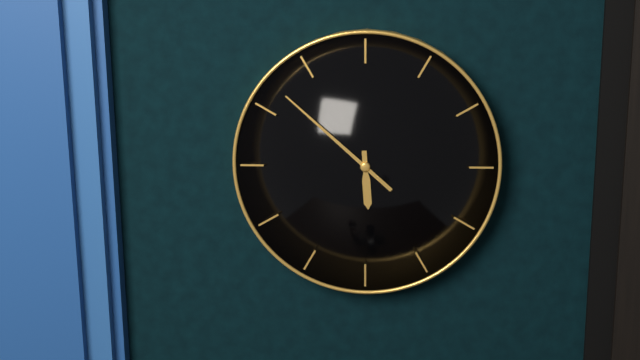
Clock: 5:52
